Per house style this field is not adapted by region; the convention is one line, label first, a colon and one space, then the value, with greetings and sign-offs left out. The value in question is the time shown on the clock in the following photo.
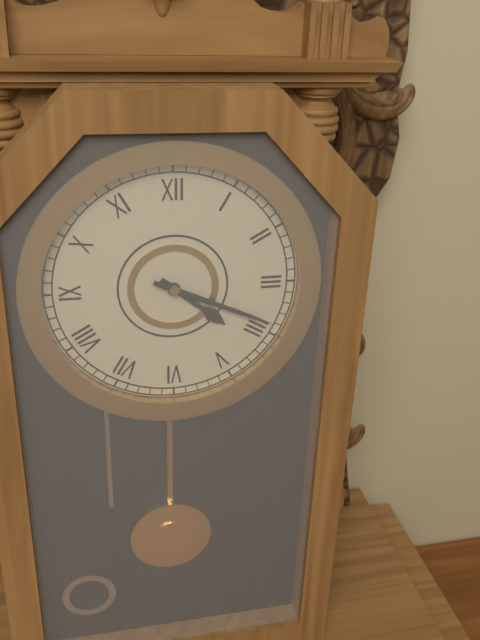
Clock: 4:19
